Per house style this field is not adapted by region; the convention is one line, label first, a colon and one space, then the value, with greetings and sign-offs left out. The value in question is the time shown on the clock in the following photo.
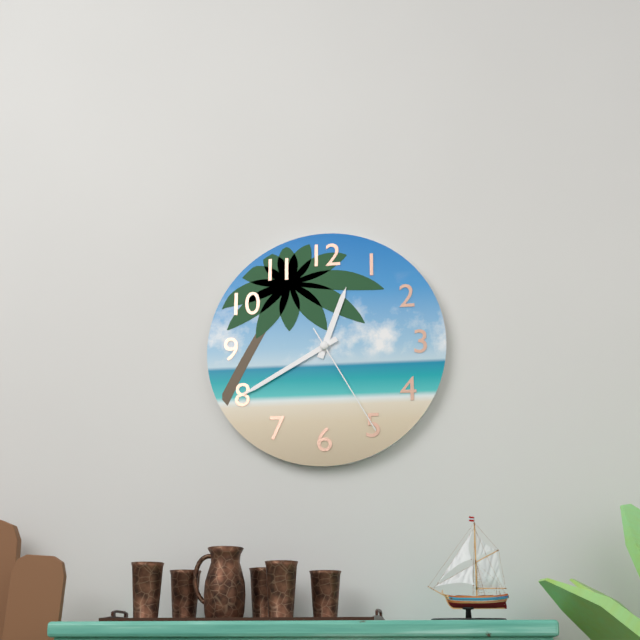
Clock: 12:40:25
